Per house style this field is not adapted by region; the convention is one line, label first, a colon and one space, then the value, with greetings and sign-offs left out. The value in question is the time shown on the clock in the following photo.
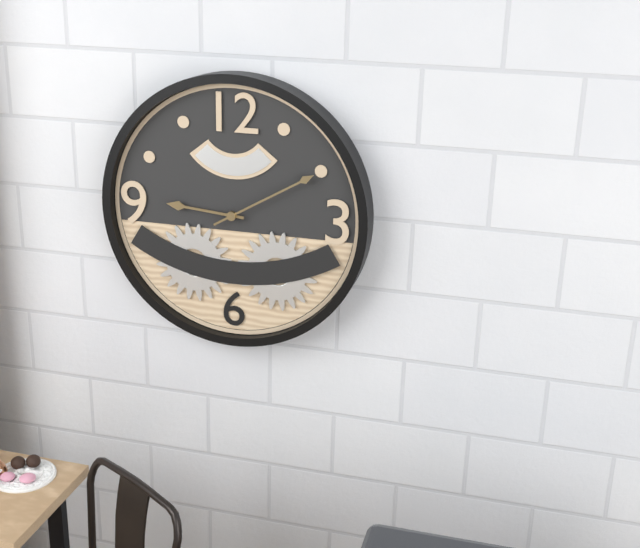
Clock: 9:10
